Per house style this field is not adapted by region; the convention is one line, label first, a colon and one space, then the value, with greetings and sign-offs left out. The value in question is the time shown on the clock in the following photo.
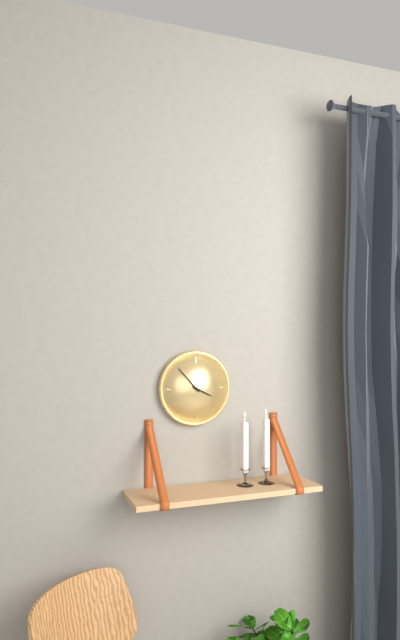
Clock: 3:53
